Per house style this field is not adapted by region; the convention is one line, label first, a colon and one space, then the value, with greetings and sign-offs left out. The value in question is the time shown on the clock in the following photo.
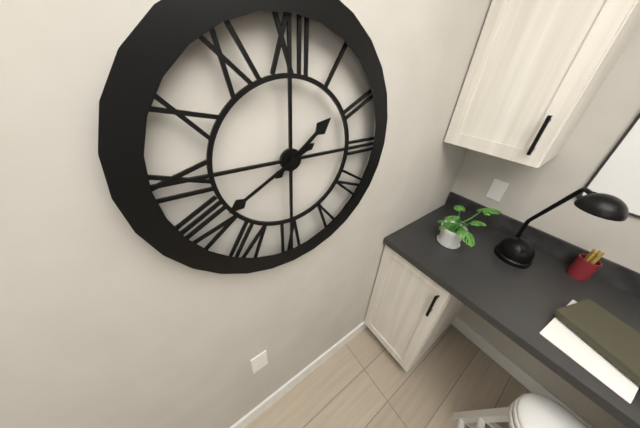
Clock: 1:40
